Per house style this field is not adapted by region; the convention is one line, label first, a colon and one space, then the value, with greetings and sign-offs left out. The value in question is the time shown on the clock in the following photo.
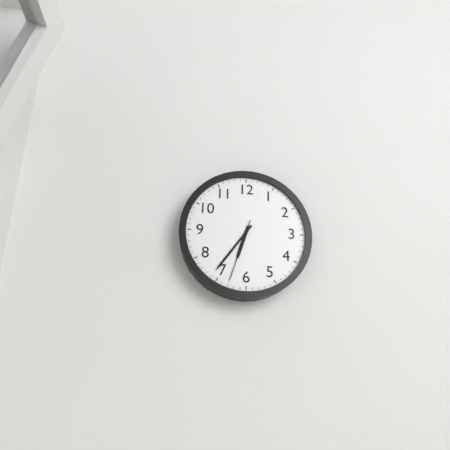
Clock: 6:36:33
